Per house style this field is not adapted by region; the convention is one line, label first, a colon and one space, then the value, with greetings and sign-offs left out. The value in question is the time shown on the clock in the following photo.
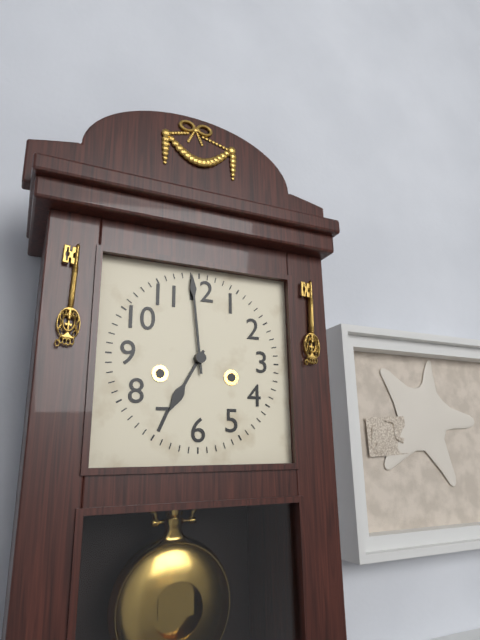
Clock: 6:59
